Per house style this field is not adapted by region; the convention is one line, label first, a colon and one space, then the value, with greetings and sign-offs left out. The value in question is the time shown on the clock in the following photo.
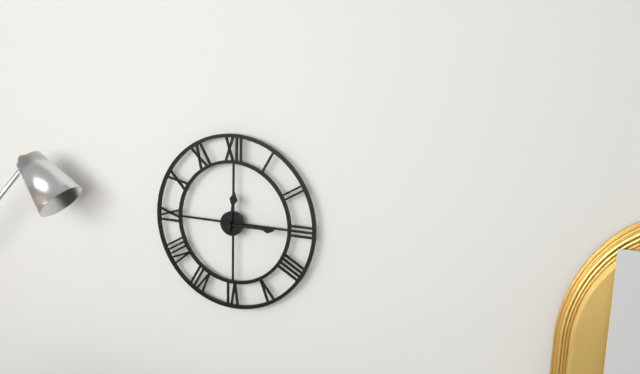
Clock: 12:15
